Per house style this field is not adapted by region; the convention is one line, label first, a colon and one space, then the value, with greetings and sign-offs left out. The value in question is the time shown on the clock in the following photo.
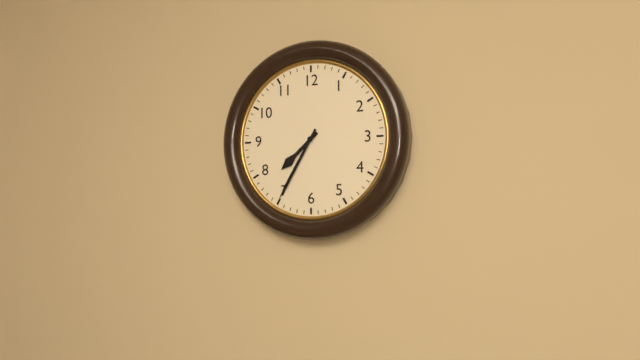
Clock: 7:35
